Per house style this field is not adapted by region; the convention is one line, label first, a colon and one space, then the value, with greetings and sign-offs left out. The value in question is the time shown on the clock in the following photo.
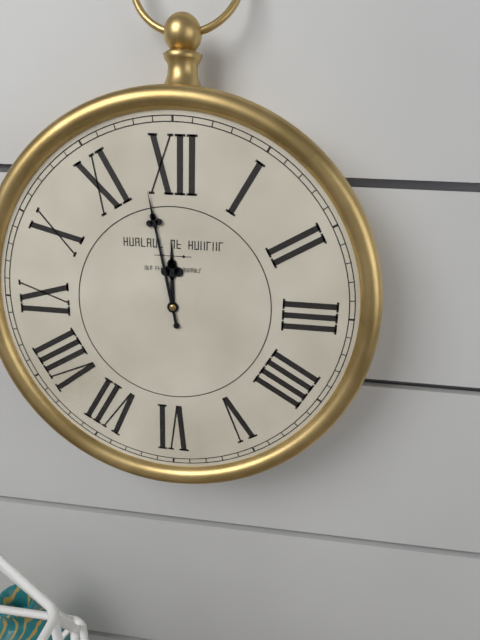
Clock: 11:58
